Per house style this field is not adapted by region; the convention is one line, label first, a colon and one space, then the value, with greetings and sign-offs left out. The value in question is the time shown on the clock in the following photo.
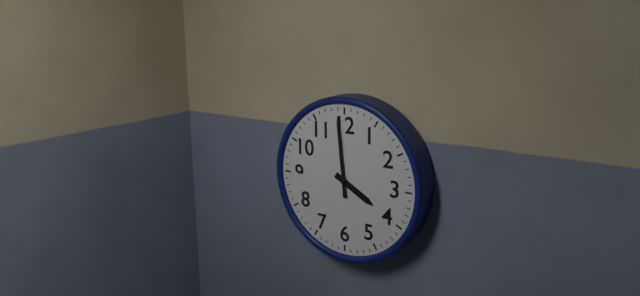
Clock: 3:59
